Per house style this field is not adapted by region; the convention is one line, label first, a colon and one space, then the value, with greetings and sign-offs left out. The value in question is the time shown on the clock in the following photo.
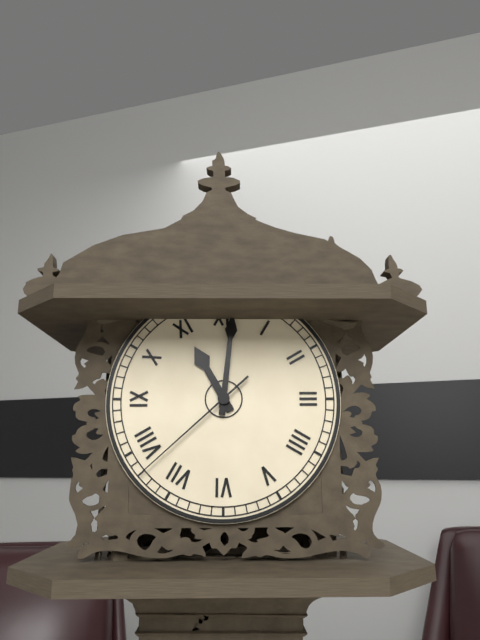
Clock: 11:01:38
